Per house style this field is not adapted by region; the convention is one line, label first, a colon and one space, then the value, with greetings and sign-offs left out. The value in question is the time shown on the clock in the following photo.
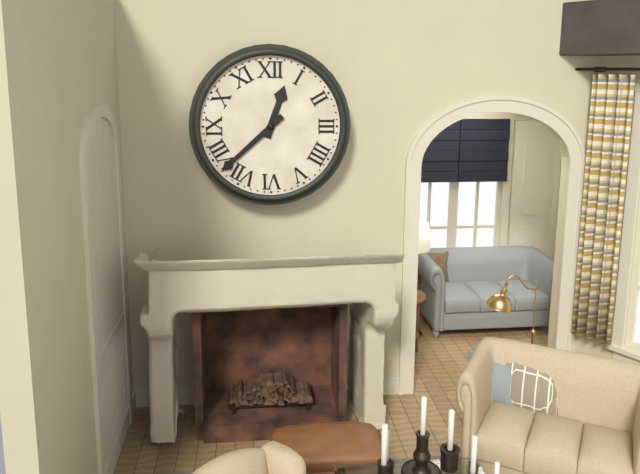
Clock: 12:38
